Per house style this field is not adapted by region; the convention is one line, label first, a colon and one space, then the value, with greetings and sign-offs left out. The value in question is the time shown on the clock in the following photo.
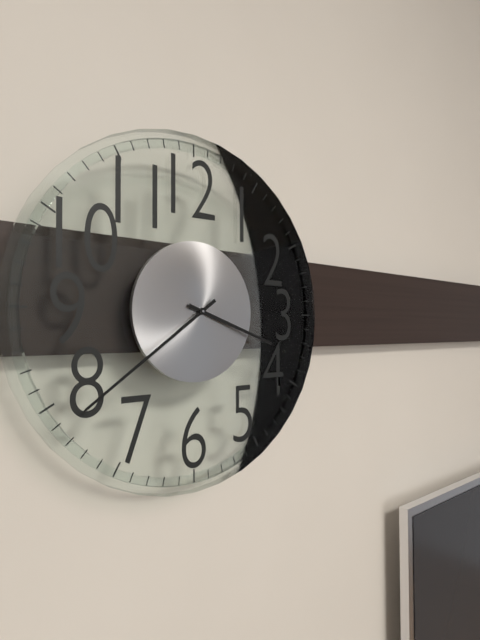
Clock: 3:39
